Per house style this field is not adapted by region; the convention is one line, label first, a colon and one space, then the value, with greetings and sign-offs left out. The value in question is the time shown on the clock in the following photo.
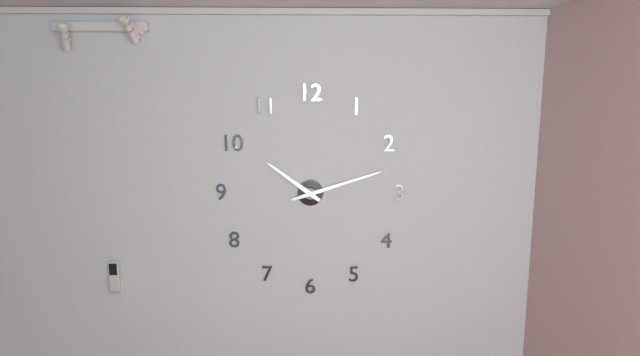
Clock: 10:12
